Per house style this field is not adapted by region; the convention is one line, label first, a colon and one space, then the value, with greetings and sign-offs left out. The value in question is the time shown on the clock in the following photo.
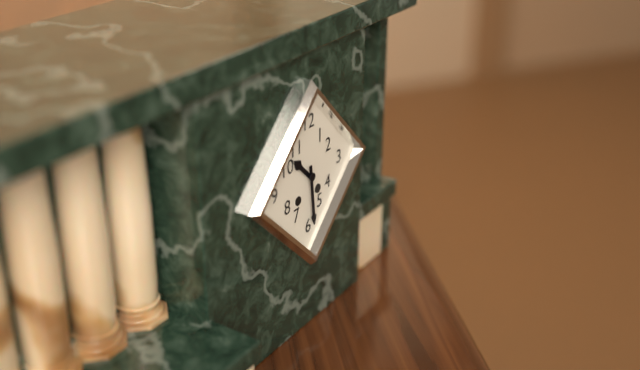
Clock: 10:29
